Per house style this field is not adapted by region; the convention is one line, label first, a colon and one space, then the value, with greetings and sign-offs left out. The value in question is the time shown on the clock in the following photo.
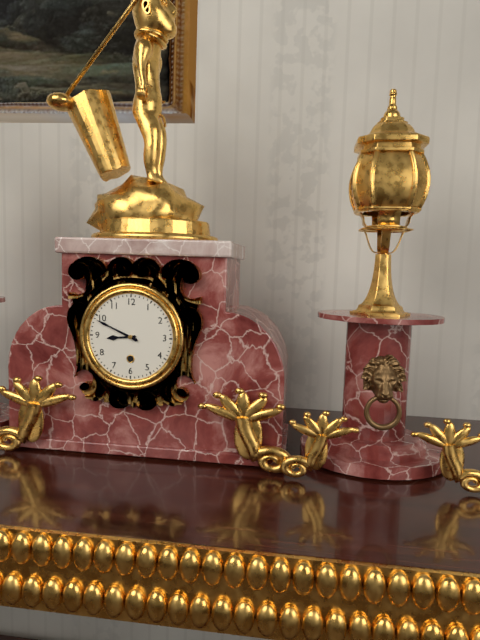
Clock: 8:49
